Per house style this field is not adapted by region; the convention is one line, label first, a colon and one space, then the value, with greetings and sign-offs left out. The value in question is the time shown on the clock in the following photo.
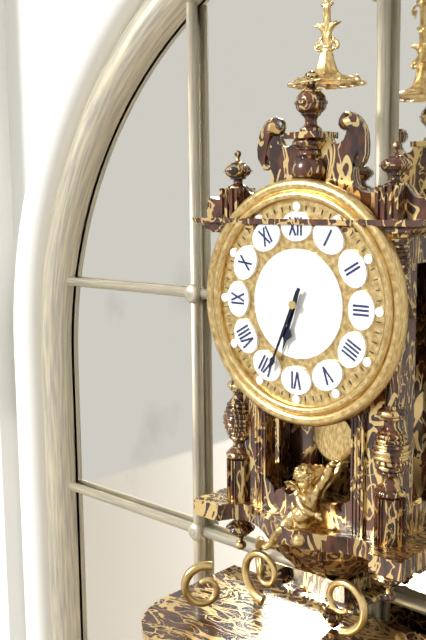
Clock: 6:34
